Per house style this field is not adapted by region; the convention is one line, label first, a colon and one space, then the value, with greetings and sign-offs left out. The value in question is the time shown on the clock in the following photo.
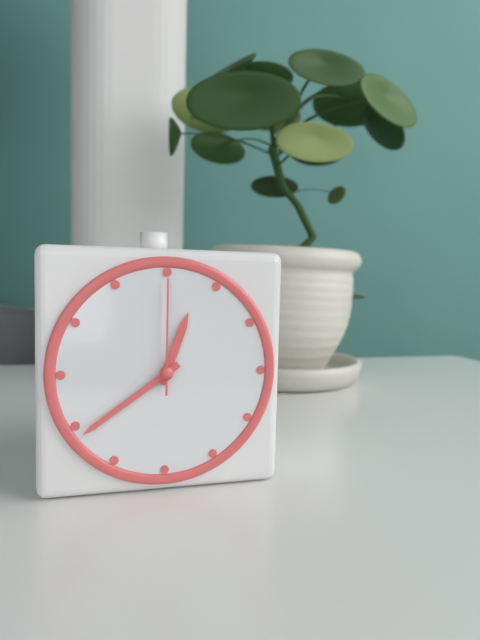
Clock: 12:39:00
